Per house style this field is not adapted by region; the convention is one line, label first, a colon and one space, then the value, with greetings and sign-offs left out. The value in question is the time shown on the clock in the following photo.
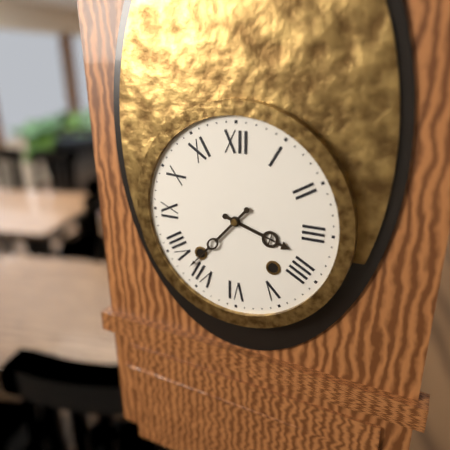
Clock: 3:37
